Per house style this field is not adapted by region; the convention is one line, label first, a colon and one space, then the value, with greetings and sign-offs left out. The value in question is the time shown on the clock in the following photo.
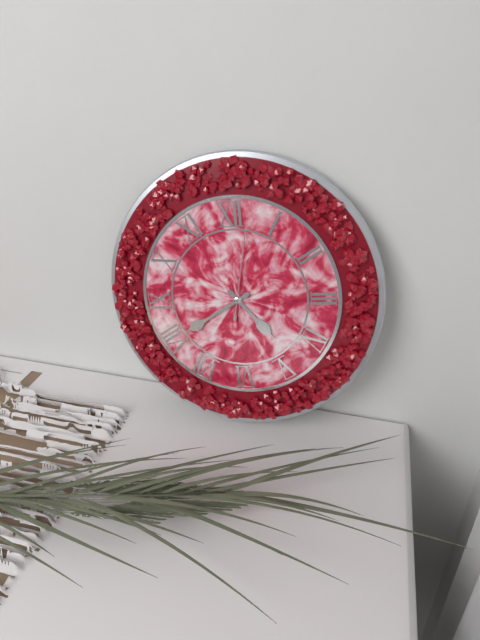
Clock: 4:40:02
